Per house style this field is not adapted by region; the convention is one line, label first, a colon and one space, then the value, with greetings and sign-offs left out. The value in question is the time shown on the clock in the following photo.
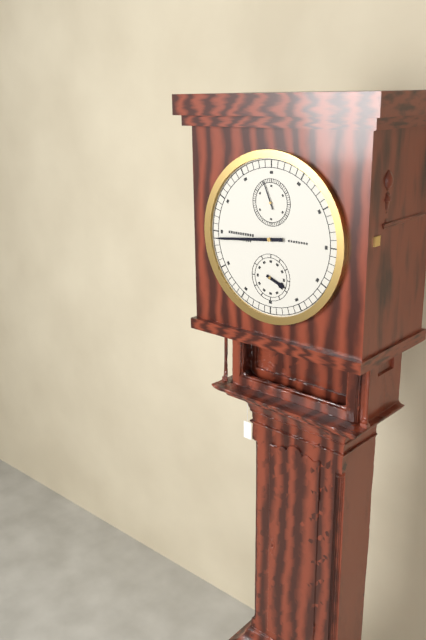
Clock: 3:44
